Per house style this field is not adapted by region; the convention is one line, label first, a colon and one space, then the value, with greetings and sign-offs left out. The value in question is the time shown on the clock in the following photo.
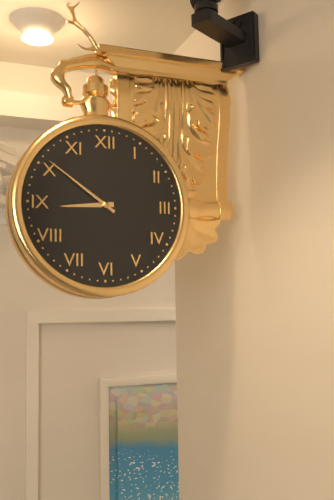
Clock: 8:51
